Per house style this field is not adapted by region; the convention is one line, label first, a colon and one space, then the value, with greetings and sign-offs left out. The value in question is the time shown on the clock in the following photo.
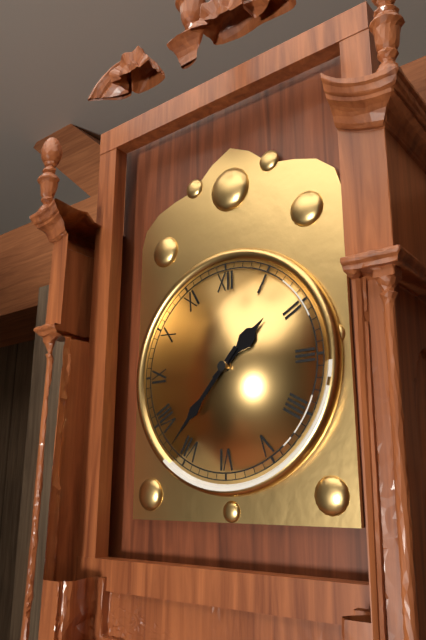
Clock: 1:37
